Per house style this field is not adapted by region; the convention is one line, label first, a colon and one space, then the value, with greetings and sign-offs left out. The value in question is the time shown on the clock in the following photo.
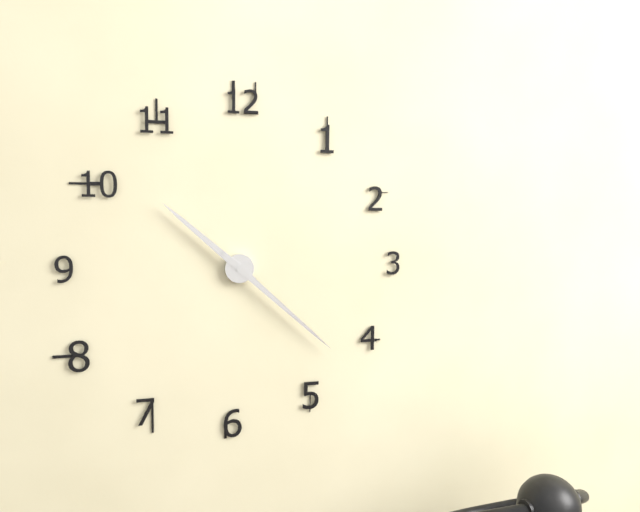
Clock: 10:22
